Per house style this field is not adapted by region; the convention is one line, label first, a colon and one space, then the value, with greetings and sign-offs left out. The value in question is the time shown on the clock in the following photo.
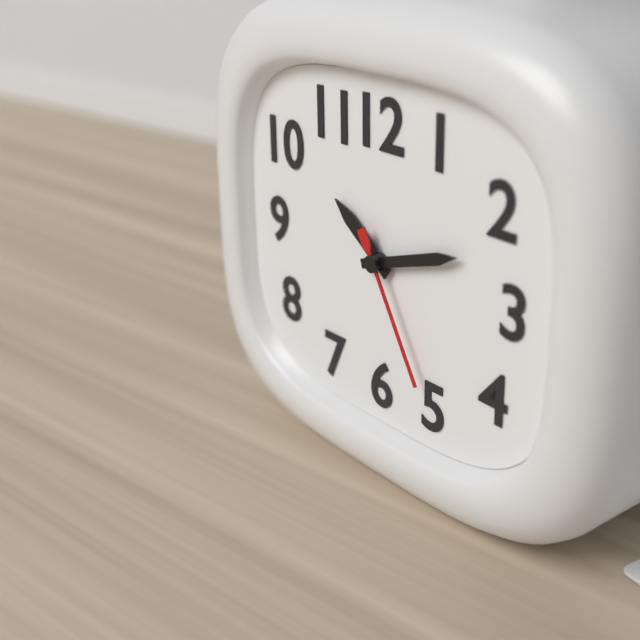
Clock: 10:12:25
